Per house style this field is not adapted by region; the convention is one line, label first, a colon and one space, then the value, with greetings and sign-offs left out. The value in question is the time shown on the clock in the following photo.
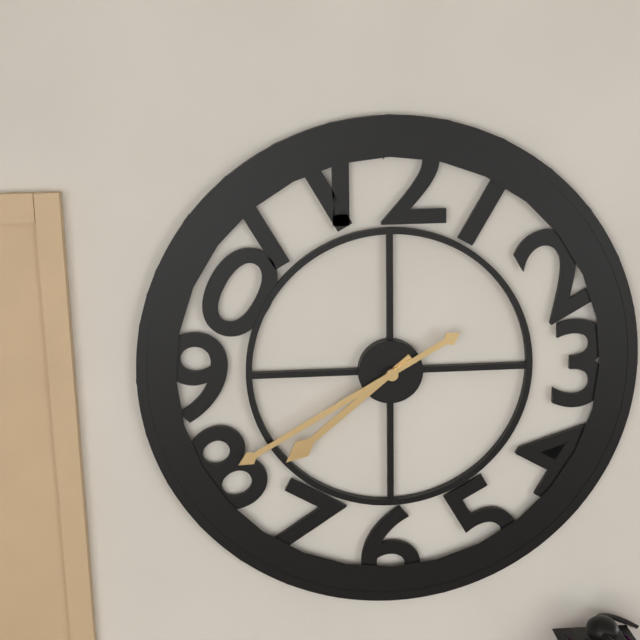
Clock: 7:40
